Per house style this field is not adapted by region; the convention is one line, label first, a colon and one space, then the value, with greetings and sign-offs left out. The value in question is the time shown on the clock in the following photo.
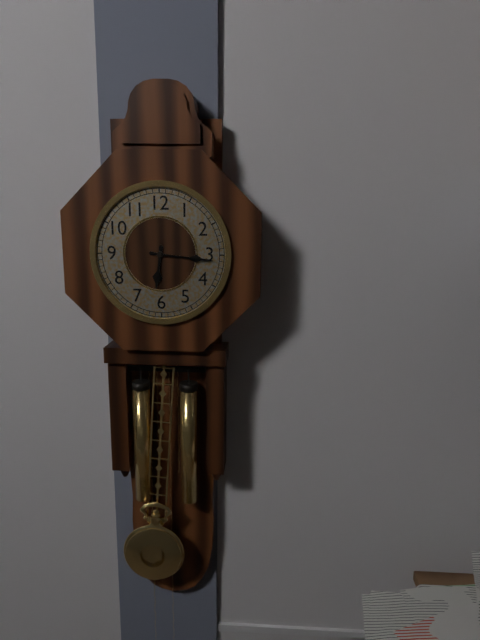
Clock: 6:16
